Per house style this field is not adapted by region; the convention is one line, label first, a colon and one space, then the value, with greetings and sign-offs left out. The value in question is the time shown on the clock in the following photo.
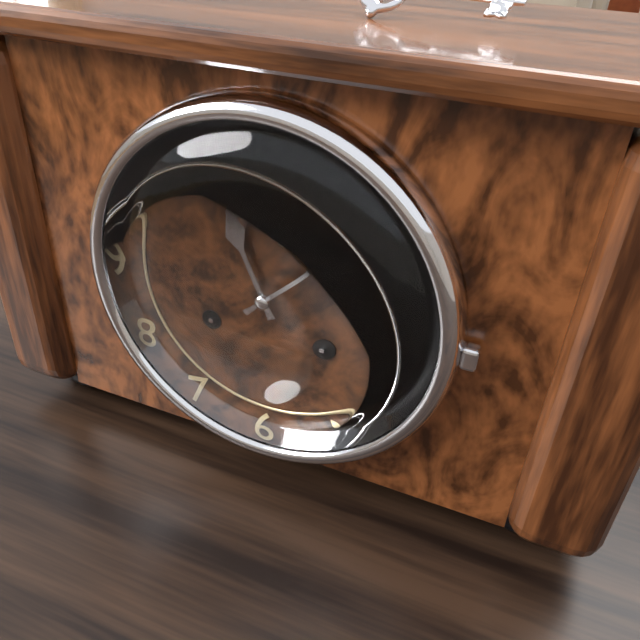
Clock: 11:08
